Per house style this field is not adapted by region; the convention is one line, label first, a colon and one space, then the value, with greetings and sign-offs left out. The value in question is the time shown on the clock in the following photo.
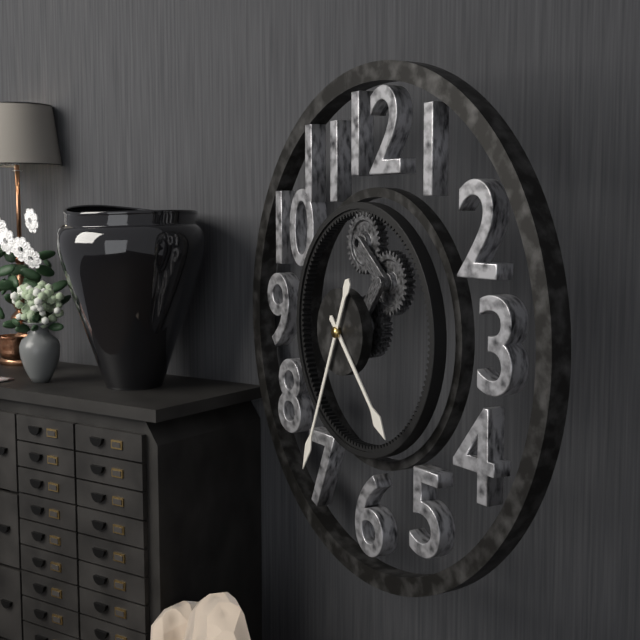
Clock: 4:34
